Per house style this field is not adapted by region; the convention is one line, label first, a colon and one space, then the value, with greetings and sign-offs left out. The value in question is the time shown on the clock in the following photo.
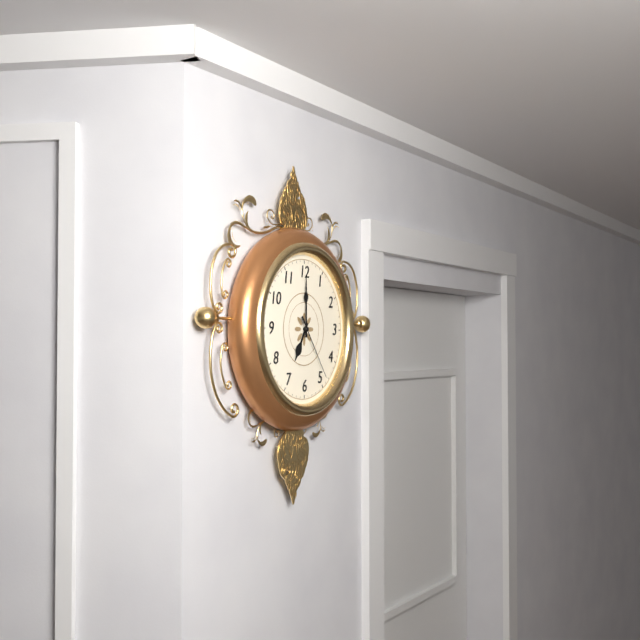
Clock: 7:00:24
